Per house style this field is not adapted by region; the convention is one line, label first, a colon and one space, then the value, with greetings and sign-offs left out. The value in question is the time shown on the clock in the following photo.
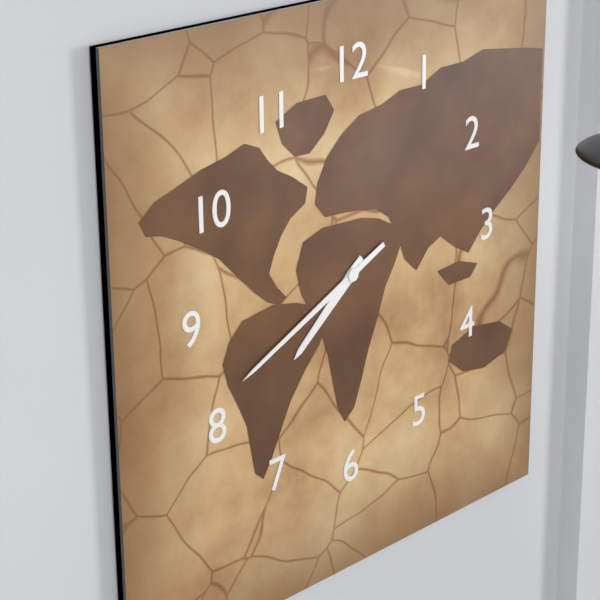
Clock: 7:41
